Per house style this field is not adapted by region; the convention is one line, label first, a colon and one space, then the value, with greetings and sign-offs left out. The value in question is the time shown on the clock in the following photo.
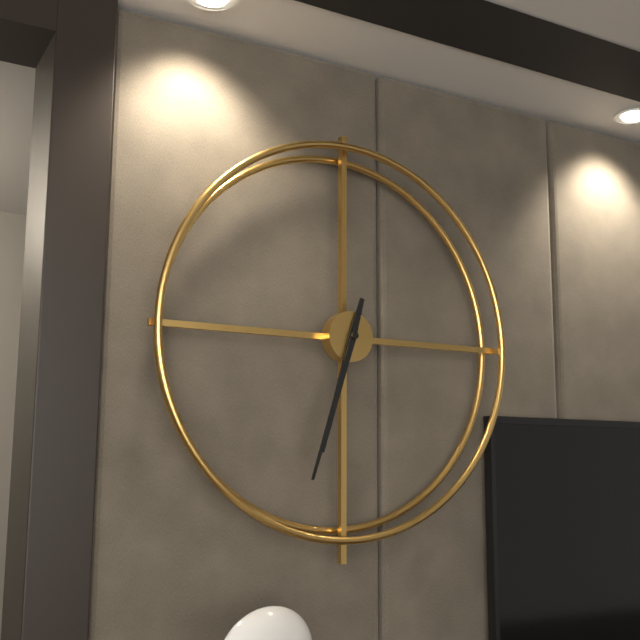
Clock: 6:33
